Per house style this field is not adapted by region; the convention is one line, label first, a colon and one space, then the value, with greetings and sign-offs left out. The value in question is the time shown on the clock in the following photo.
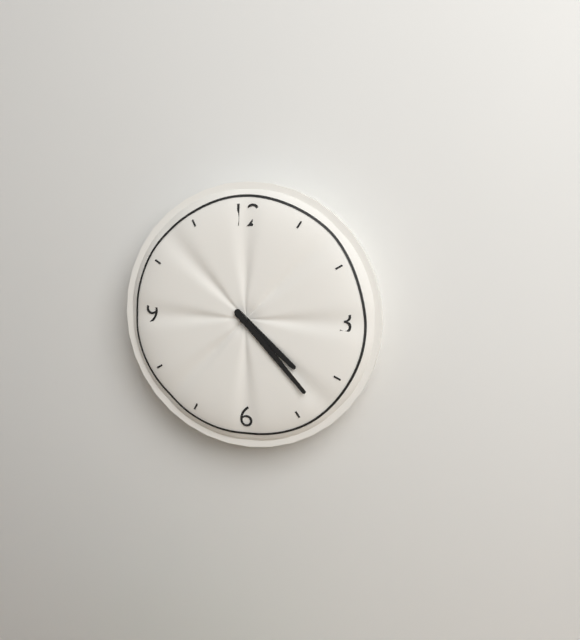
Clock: 4:23
